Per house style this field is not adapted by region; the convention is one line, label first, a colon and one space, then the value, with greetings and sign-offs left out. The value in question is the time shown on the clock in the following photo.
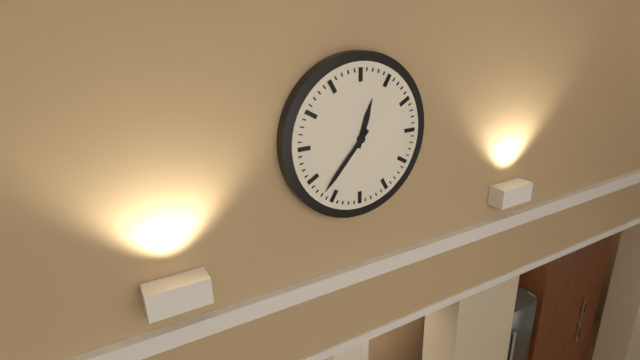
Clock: 12:37
